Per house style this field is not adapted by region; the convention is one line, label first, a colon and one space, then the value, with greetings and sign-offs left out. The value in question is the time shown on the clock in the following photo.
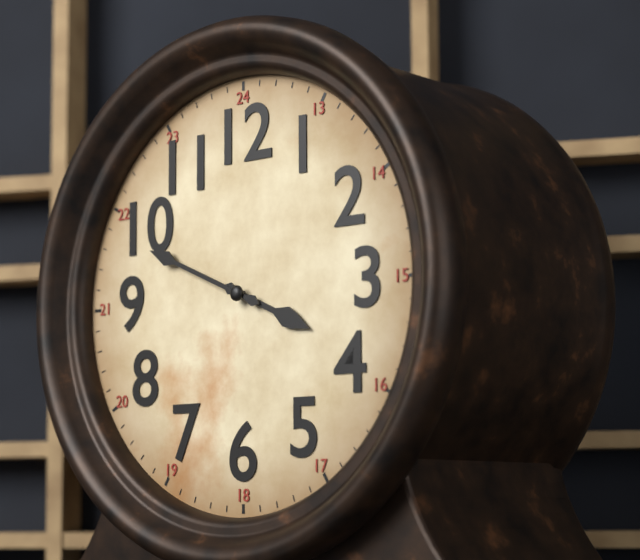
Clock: 3:49
